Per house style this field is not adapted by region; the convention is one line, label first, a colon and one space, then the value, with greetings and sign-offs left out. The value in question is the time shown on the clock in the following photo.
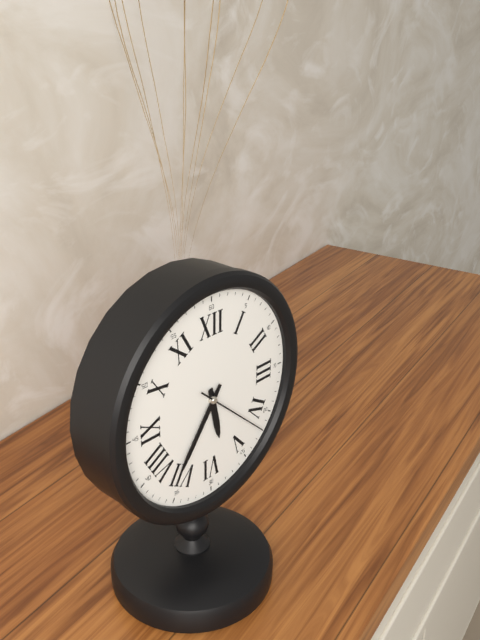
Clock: 5:36:22
